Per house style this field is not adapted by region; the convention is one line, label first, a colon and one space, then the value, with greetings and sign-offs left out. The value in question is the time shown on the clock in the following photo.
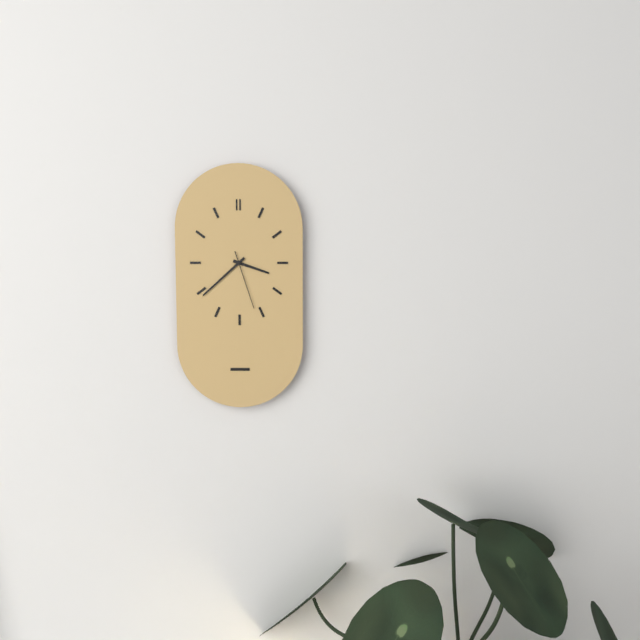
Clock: 3:38:27
